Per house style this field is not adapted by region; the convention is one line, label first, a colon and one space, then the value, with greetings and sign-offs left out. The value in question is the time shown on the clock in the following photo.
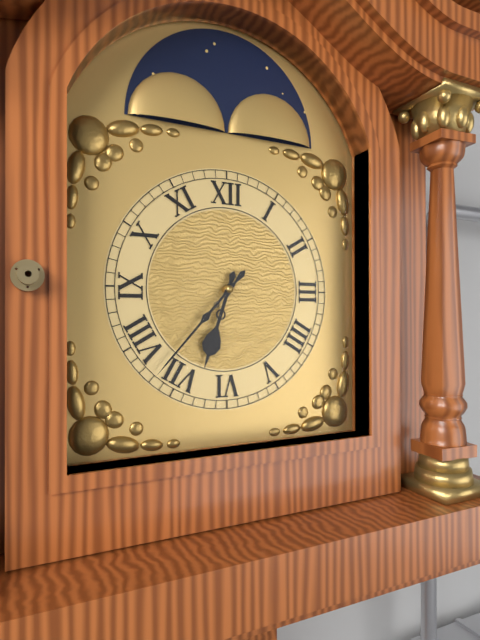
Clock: 6:37
